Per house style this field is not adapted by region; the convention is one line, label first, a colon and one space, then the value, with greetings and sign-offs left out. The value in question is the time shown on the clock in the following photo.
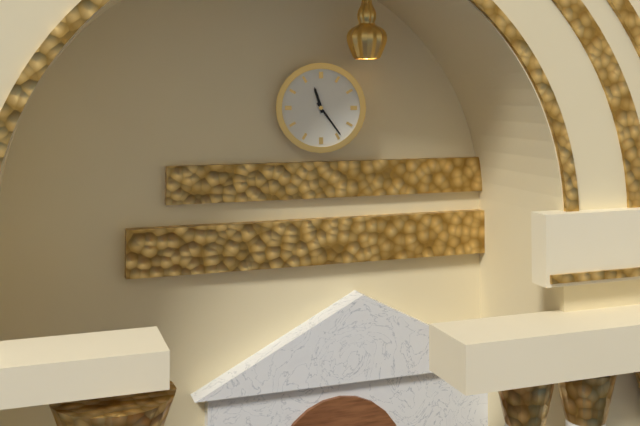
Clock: 11:24
